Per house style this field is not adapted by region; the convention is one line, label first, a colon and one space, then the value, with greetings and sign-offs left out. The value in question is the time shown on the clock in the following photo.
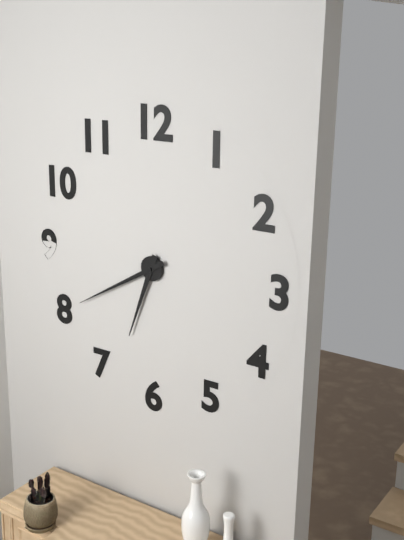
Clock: 6:40
